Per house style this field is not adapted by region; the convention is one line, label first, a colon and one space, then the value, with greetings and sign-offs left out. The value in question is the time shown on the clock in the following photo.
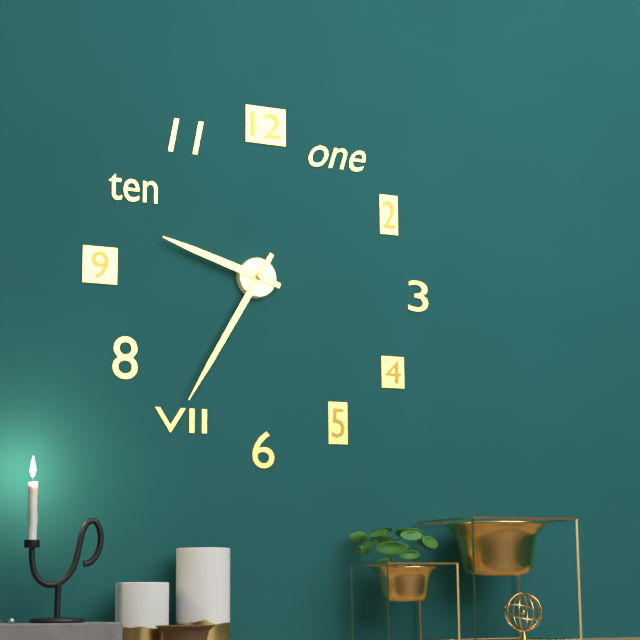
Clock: 9:35
